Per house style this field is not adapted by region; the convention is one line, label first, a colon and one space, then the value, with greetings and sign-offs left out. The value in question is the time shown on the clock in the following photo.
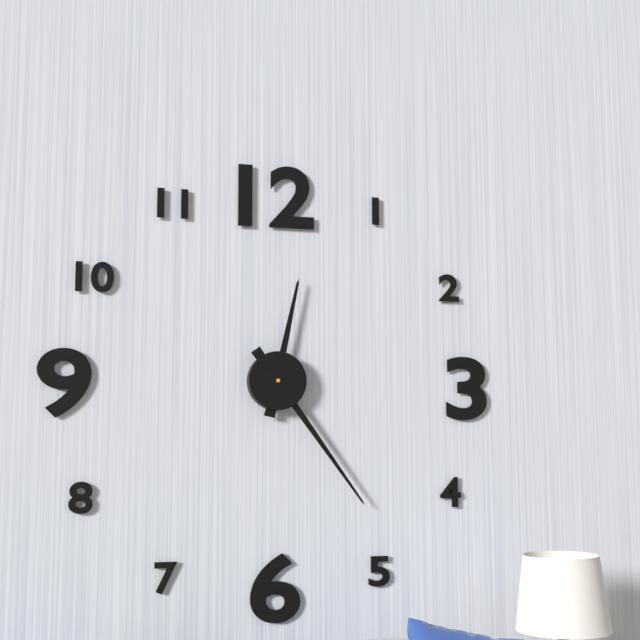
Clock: 12:24
